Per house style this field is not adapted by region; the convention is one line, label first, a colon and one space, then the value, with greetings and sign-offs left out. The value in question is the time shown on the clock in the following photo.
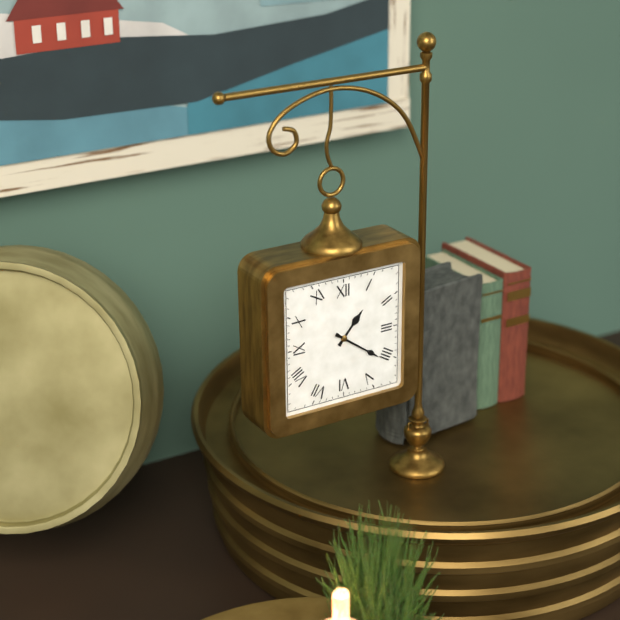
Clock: 1:21
